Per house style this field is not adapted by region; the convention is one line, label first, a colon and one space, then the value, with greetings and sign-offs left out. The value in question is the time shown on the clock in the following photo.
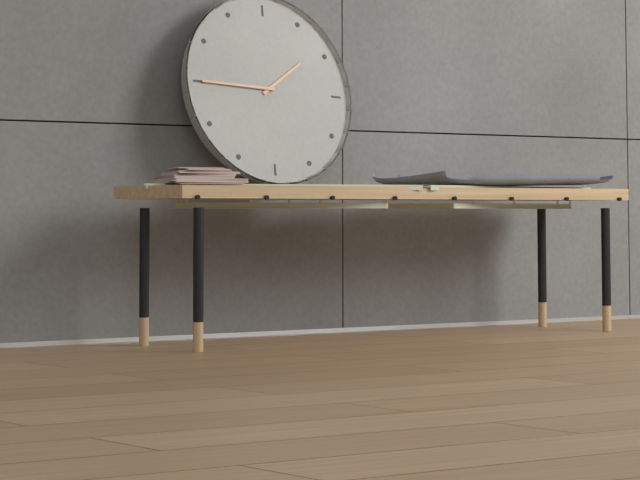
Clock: 1:45
